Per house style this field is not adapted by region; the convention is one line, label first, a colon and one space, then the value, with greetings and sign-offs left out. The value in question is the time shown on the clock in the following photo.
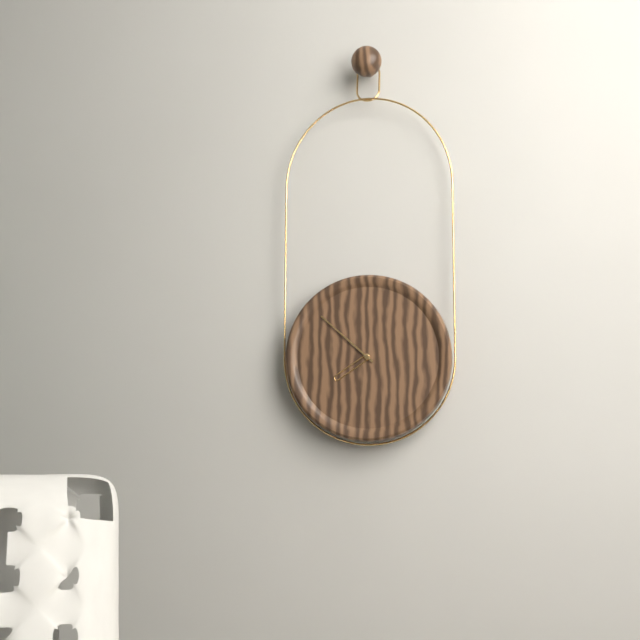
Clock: 7:52
